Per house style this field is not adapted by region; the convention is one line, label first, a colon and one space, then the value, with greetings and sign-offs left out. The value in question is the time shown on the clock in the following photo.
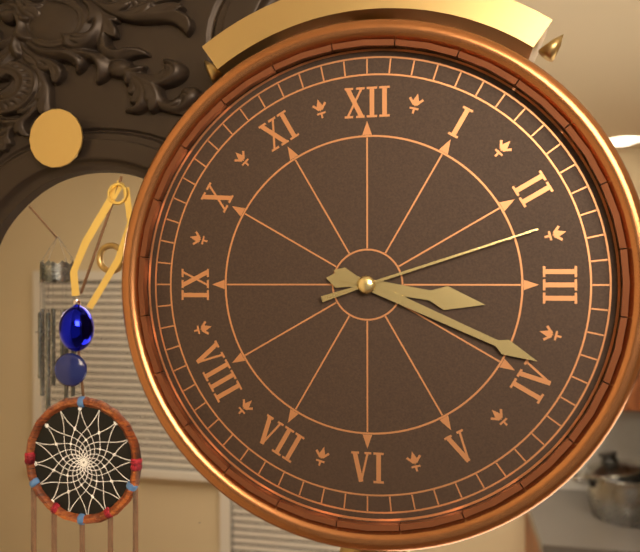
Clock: 3:19:12
